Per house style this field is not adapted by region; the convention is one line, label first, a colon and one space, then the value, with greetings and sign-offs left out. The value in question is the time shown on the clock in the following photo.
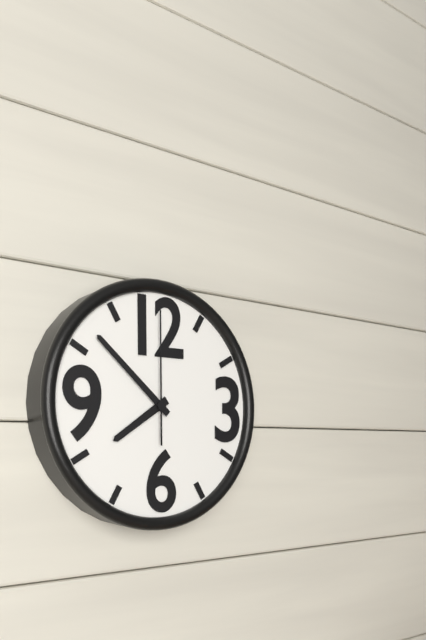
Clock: 7:52:00
